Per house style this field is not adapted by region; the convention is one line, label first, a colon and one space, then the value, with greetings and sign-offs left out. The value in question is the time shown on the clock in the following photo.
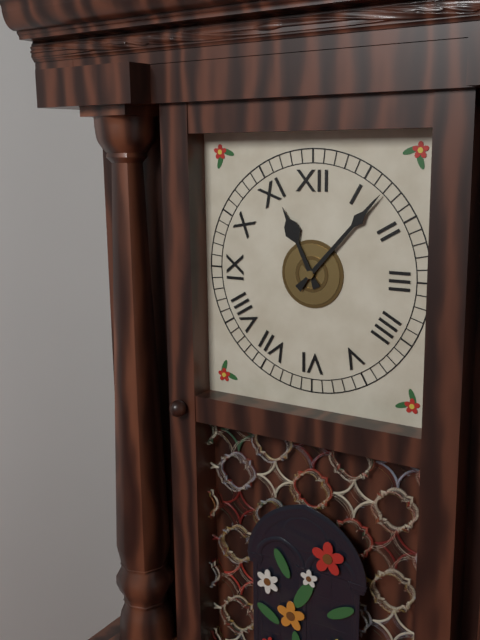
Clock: 11:07
